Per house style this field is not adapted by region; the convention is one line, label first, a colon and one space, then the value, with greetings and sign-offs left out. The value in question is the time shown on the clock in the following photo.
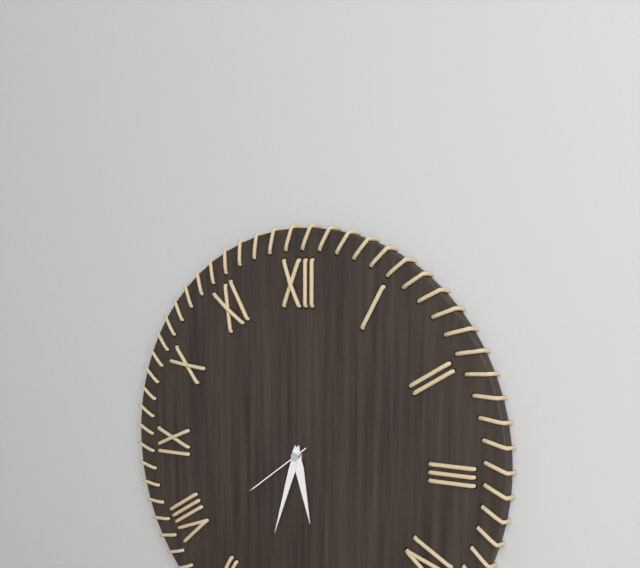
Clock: 5:33:39
